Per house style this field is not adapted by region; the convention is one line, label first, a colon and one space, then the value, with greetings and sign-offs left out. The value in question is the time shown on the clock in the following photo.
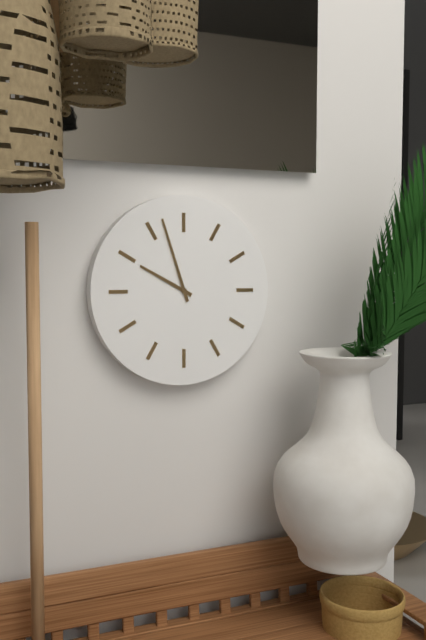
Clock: 9:57
